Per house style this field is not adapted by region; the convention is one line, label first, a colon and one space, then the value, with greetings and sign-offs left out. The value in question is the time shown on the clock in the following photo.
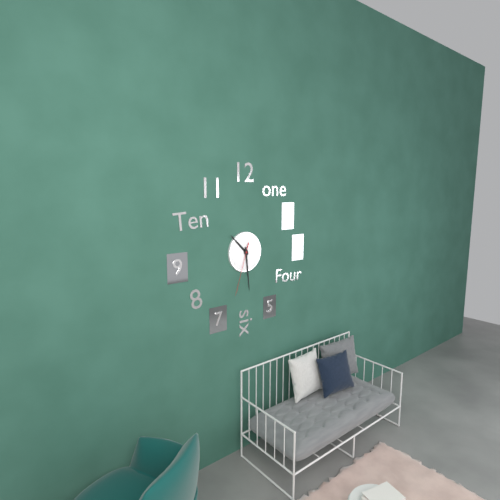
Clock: 10:29:33
